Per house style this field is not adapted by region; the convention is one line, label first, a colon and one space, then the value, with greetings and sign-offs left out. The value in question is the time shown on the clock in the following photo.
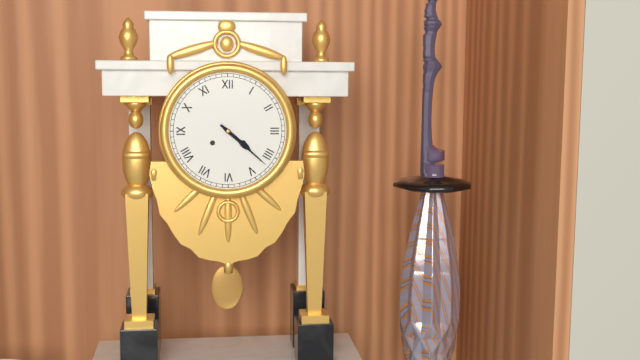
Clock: 4:22
